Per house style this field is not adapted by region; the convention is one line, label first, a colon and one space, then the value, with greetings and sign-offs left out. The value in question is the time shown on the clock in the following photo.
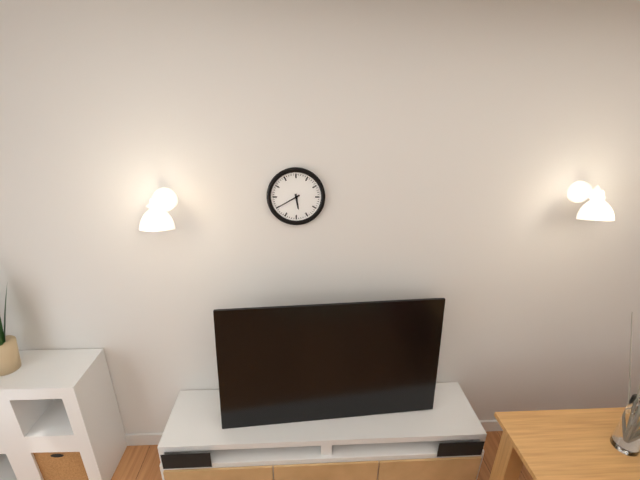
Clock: 5:40
